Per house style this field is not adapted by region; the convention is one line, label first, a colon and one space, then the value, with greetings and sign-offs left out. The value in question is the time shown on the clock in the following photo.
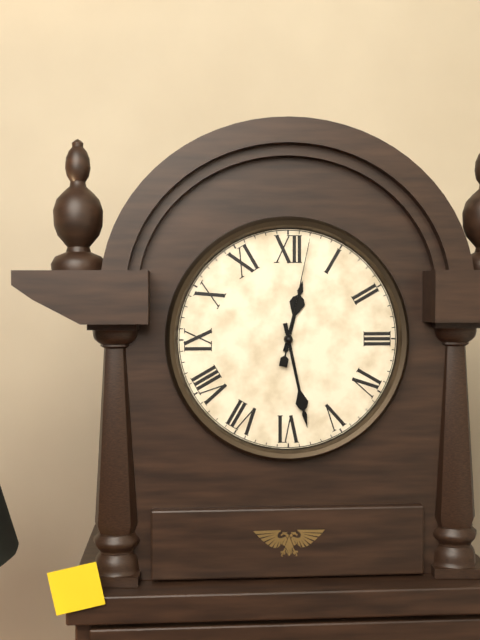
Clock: 12:28:02
